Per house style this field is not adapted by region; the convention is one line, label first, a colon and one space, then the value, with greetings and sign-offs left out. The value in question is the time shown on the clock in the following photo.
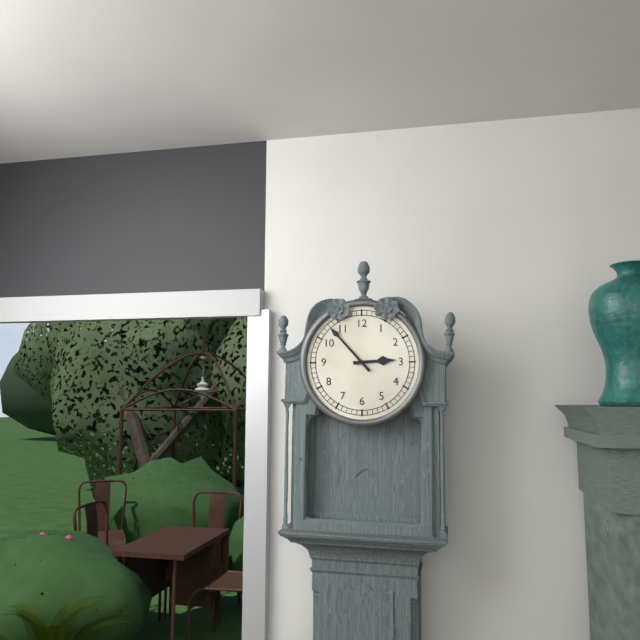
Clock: 2:53
